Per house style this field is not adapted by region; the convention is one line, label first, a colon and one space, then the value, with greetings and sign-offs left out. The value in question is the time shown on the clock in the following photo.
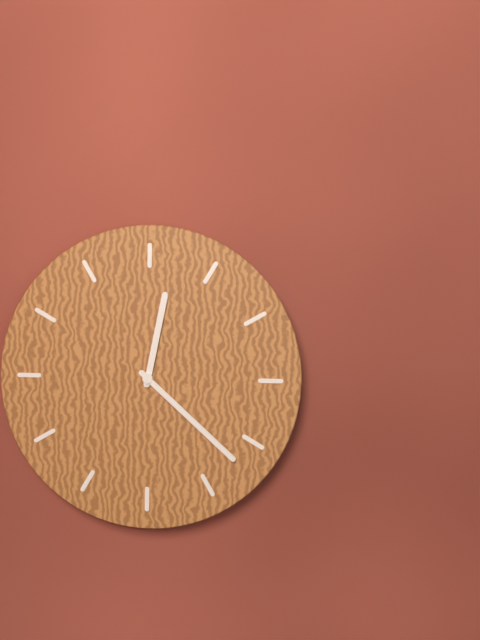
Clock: 12:22
